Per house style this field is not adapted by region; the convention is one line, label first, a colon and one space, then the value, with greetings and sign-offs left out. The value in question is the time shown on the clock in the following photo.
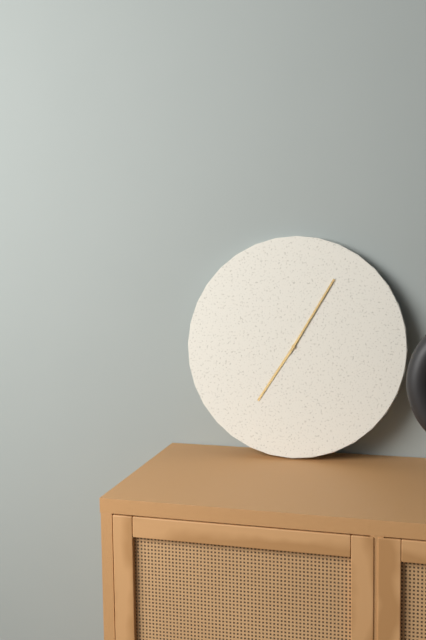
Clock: 7:05
